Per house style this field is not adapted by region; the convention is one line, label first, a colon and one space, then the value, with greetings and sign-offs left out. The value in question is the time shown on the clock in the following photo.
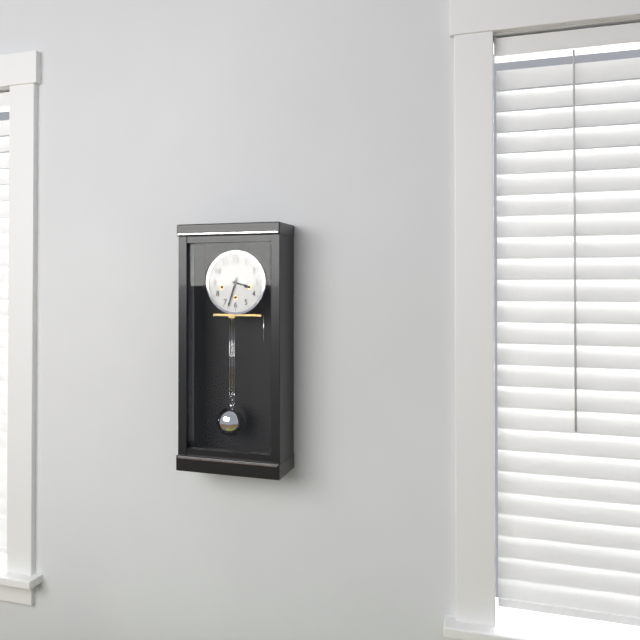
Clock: 3:33
